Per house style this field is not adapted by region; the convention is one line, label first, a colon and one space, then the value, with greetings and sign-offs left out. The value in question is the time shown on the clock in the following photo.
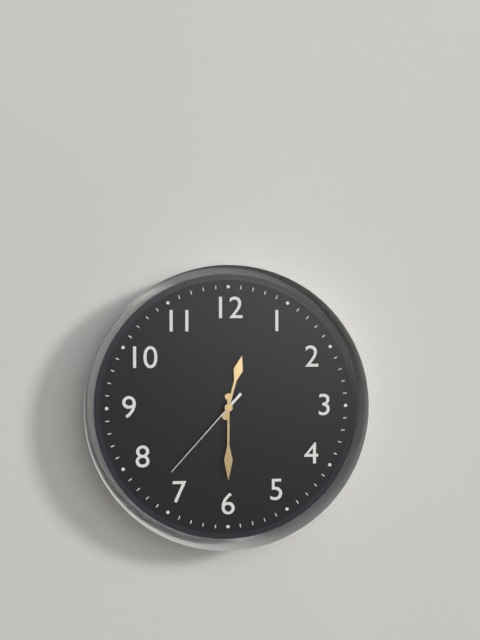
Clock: 12:30:37
